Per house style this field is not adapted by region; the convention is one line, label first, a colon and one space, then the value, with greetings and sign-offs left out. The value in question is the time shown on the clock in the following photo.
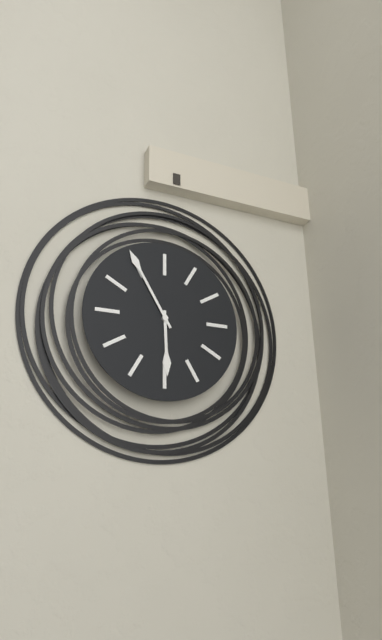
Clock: 5:55
